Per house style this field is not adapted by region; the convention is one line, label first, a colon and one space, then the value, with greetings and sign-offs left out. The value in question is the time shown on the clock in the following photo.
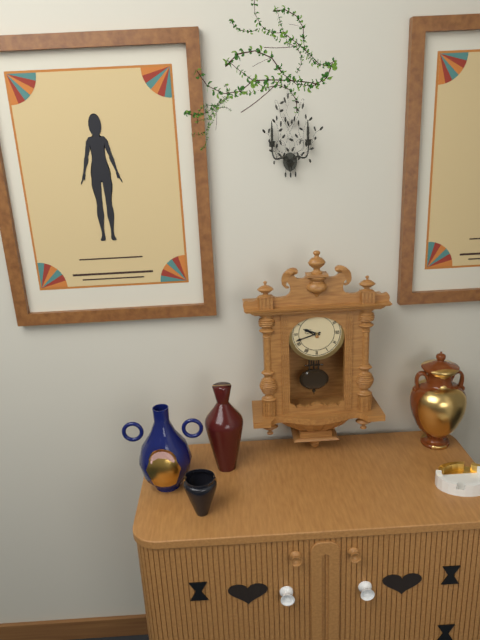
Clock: 9:42
